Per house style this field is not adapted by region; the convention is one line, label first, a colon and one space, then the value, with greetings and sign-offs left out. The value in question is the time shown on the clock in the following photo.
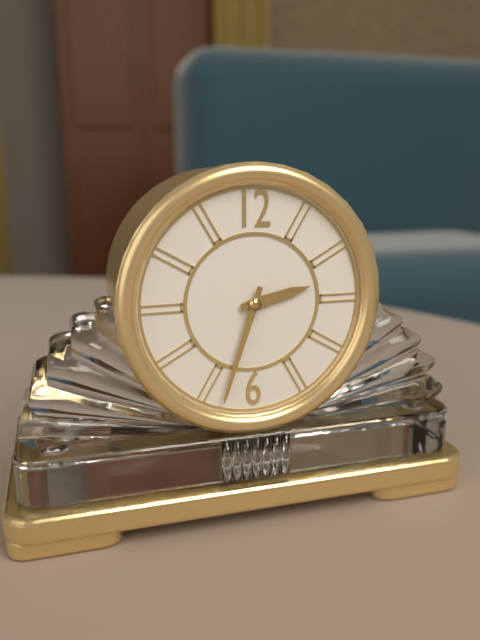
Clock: 2:33
